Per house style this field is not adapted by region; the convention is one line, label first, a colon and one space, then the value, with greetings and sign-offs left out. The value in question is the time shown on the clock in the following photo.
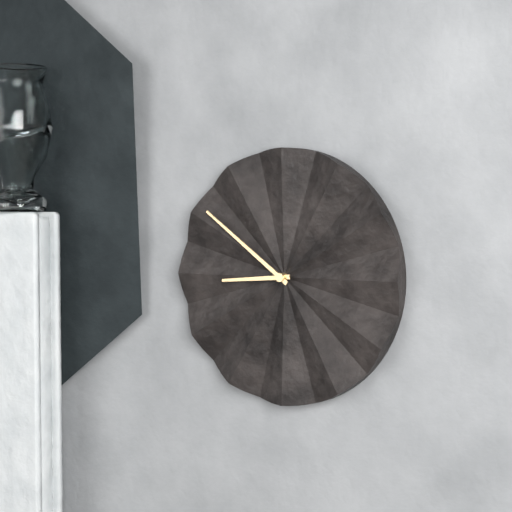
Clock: 8:51
